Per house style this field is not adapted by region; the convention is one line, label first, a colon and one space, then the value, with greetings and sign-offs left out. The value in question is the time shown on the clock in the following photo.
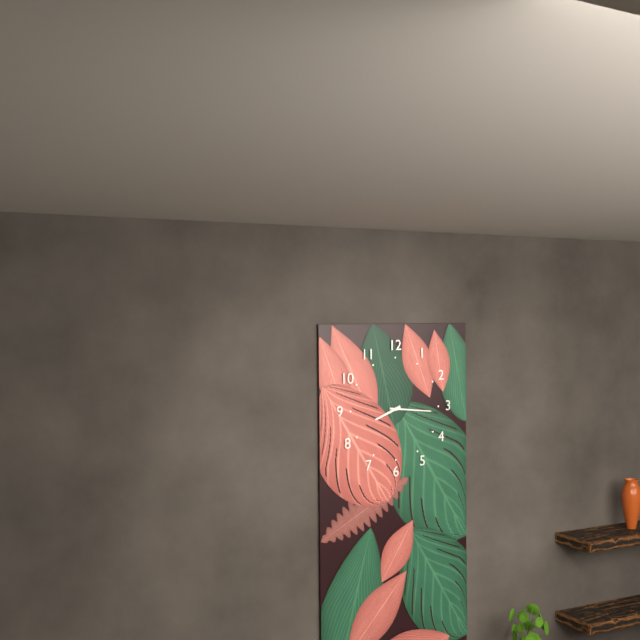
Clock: 8:16
